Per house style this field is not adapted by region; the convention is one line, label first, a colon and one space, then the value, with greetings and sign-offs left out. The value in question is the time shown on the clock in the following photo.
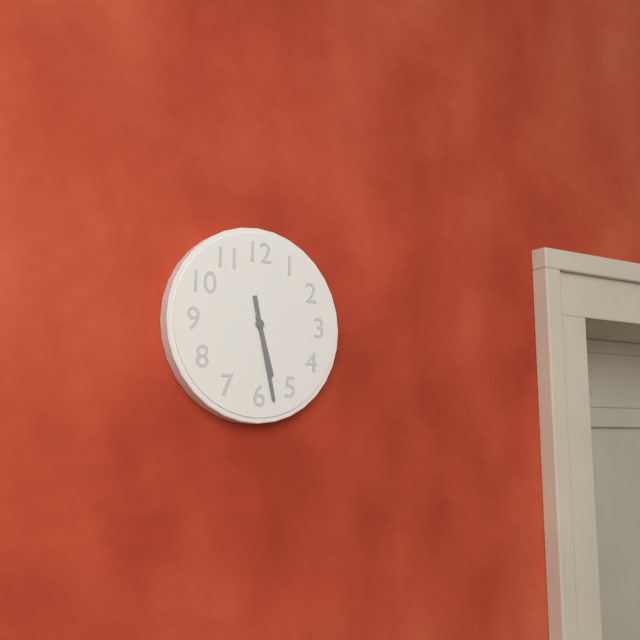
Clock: 5:28
